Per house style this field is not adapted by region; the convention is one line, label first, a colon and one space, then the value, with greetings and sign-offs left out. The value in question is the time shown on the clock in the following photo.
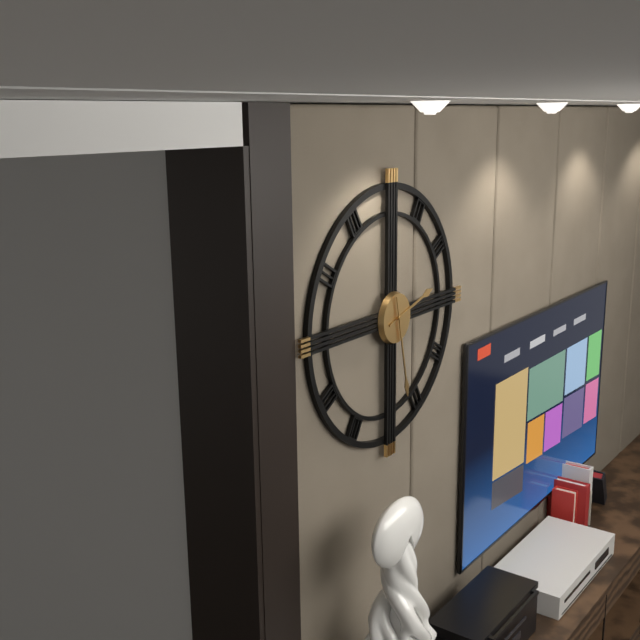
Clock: 2:28
